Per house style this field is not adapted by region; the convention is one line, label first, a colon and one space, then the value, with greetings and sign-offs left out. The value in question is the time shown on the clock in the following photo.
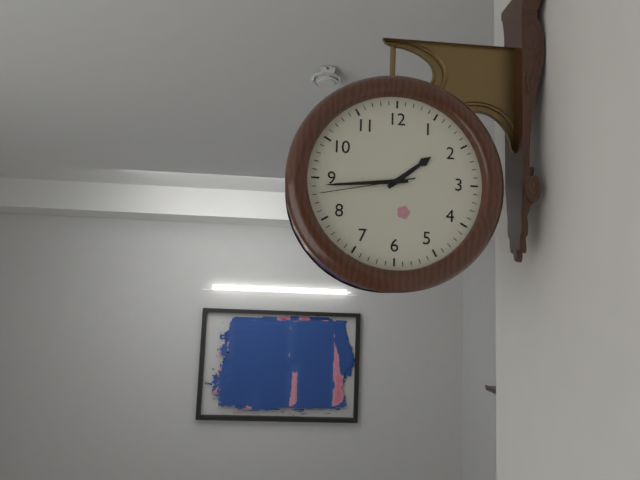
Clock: 1:44:43
